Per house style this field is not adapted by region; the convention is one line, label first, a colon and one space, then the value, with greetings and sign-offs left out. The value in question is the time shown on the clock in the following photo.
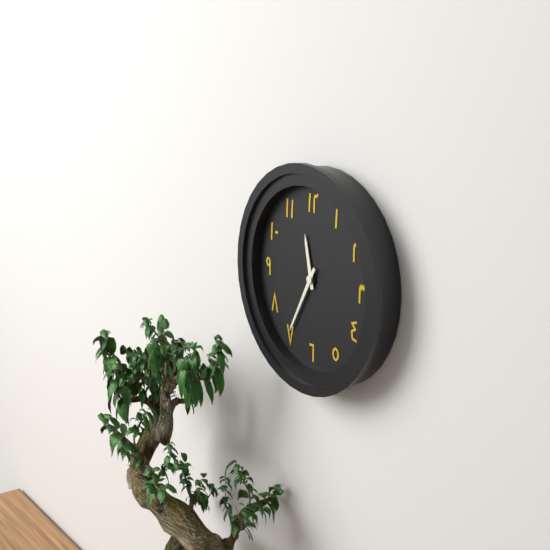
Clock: 11:35
